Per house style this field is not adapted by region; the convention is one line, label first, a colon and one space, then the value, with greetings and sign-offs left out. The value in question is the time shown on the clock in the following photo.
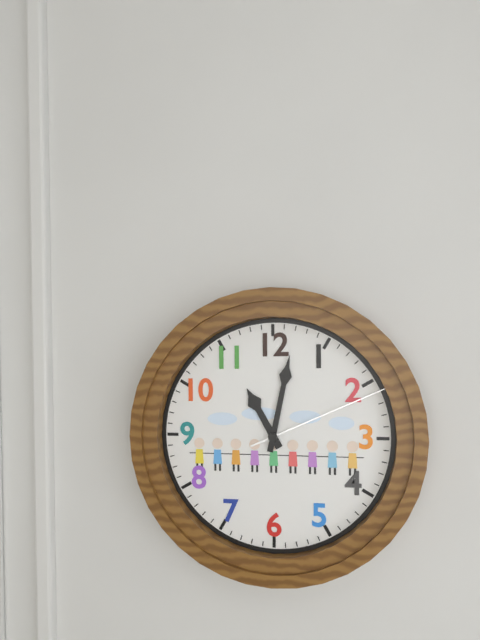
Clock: 11:02:11
